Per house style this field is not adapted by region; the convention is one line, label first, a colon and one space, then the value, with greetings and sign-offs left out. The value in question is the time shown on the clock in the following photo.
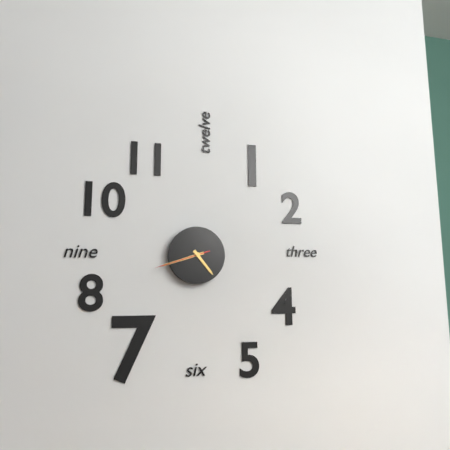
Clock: 4:42:42
